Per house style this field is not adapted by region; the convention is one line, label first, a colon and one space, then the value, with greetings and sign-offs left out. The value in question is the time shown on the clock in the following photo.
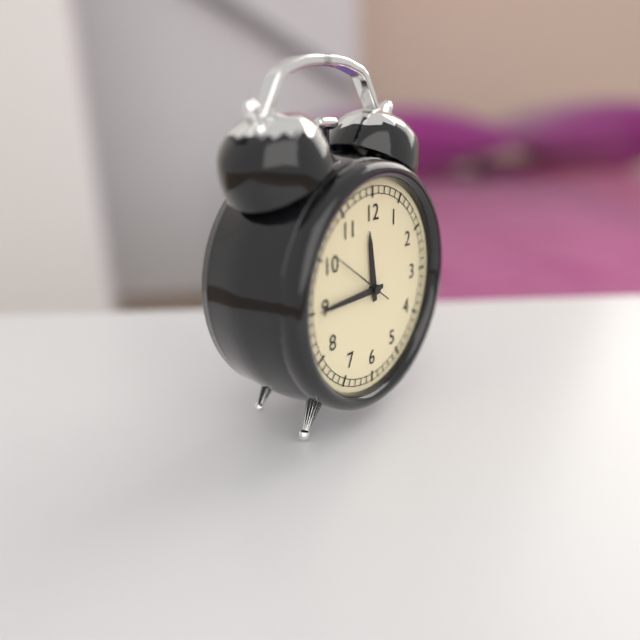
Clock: 11:45:51
